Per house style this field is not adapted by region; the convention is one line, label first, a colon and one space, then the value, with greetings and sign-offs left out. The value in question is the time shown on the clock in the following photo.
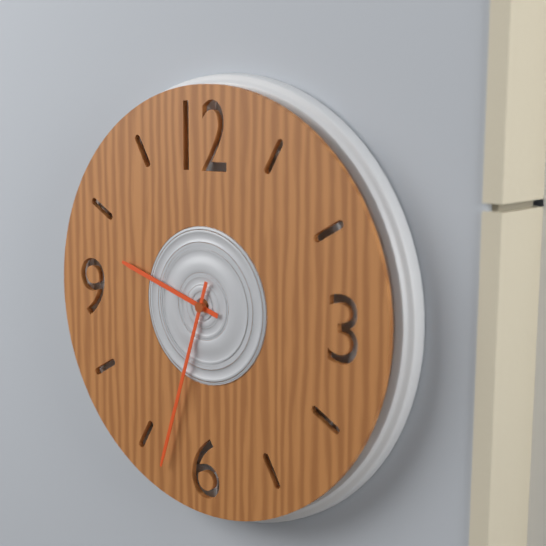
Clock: 9:33
